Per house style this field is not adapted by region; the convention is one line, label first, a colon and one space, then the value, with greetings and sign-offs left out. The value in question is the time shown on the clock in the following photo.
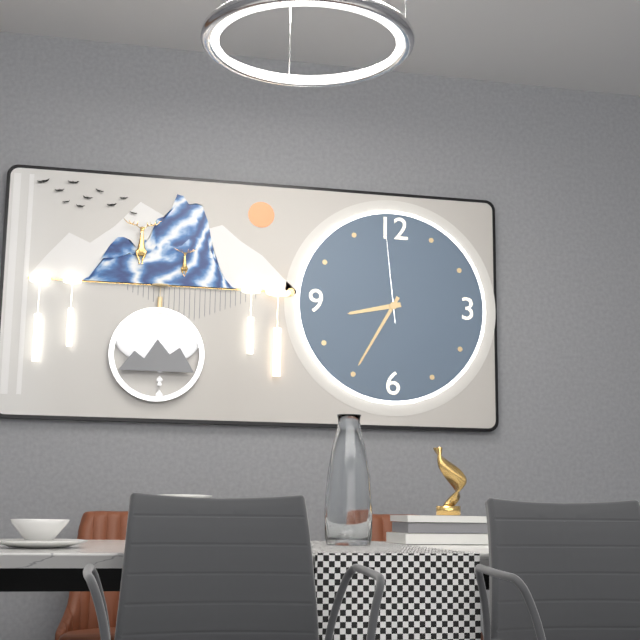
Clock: 8:35:59
